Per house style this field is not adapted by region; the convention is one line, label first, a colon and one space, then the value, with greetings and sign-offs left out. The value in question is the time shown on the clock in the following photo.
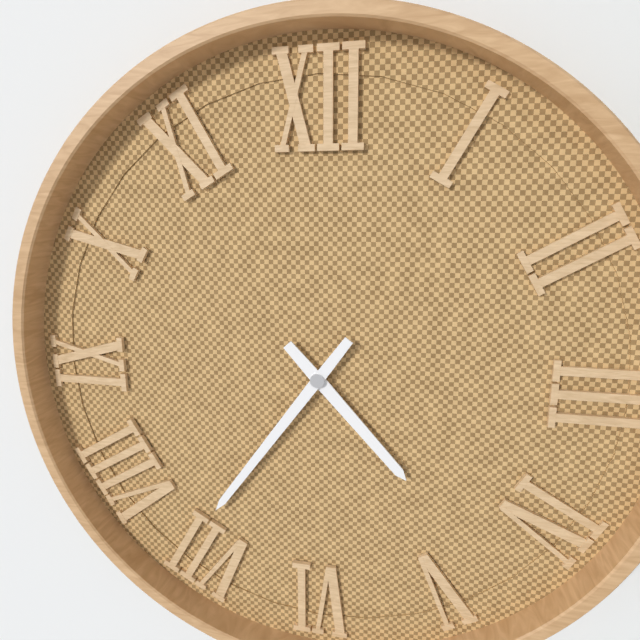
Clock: 4:36
